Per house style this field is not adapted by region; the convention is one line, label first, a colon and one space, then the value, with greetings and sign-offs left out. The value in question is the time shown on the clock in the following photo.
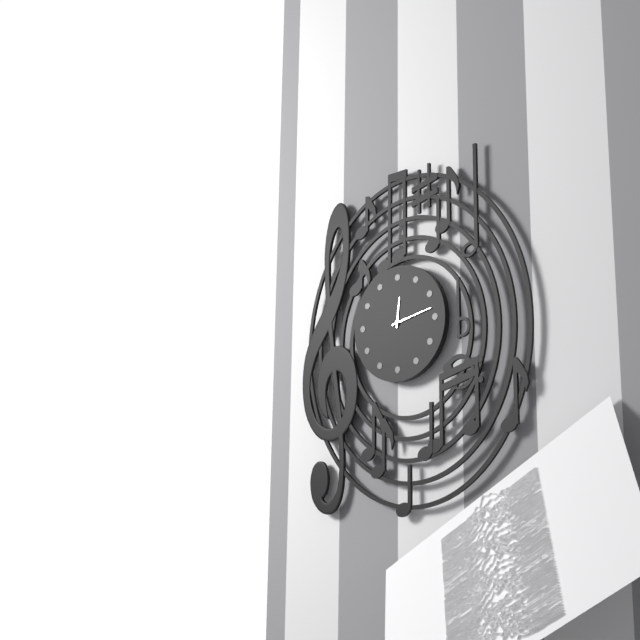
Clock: 12:13
